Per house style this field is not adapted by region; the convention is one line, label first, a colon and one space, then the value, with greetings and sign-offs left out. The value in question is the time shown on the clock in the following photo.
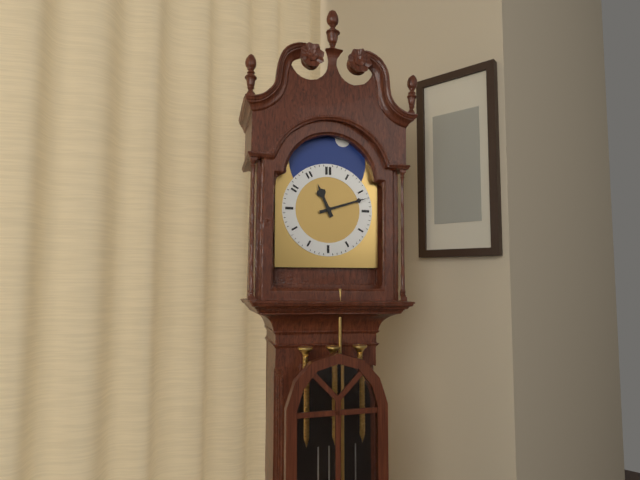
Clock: 11:12
